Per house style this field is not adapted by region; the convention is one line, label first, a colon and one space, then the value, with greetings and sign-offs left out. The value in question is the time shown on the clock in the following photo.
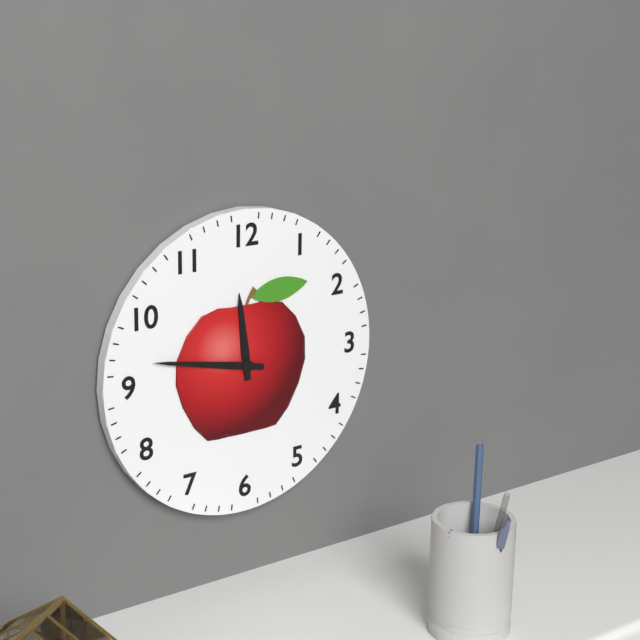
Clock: 11:47
